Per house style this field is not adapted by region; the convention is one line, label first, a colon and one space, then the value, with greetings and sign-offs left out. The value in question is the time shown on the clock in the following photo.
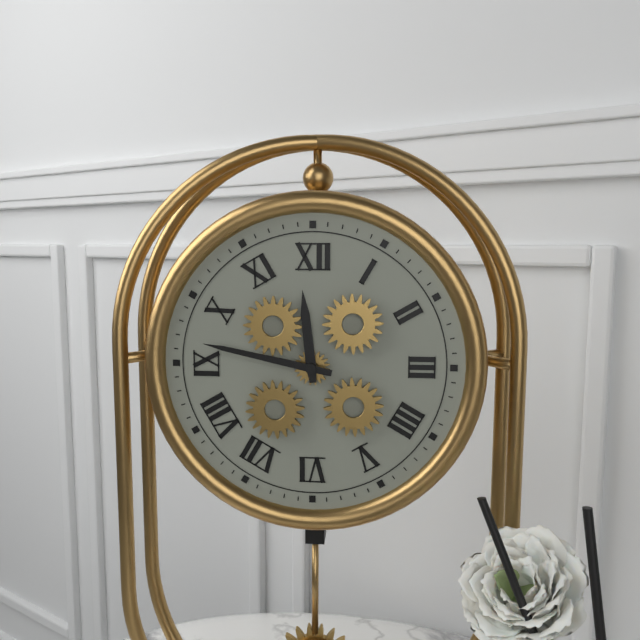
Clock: 11:47
